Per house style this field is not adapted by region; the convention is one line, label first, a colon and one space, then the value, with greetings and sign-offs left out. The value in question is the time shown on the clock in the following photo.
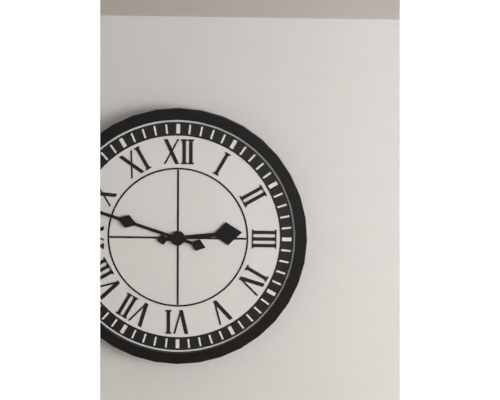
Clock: 2:48
